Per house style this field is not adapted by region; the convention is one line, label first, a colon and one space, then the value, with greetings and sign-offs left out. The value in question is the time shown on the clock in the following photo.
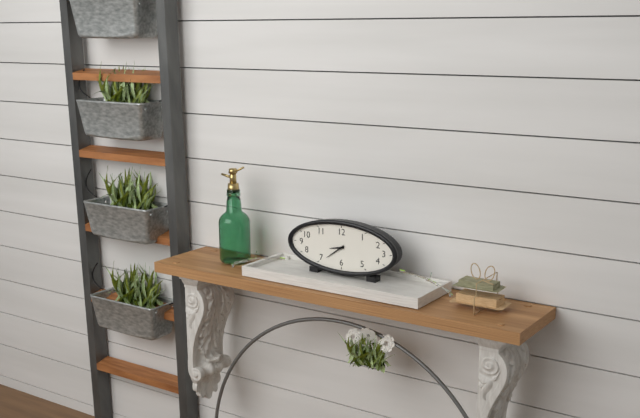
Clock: 8:39
